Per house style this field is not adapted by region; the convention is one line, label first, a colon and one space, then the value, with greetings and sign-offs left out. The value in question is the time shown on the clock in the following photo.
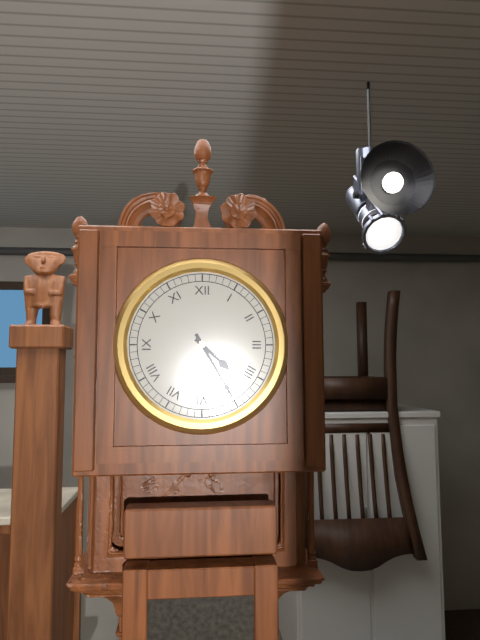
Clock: 4:25
